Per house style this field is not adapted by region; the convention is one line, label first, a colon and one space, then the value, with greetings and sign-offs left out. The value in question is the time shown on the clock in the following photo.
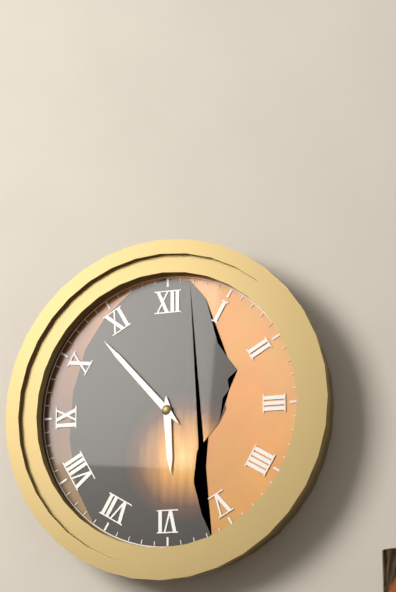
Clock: 5:53
